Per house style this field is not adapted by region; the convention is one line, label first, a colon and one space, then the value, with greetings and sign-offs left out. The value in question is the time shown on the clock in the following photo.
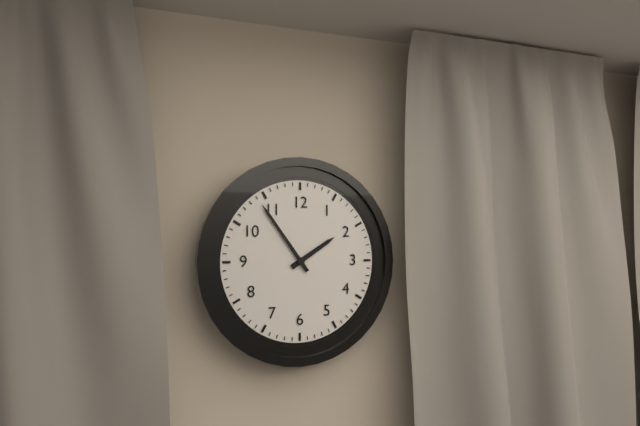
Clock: 1:54
